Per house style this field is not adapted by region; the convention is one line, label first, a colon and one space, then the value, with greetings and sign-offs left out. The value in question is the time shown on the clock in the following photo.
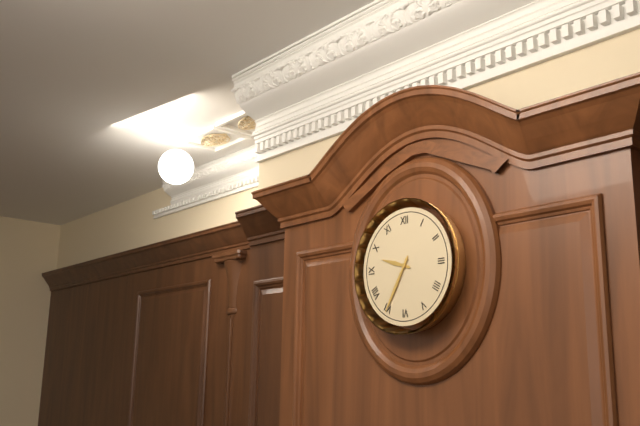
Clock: 9:35
